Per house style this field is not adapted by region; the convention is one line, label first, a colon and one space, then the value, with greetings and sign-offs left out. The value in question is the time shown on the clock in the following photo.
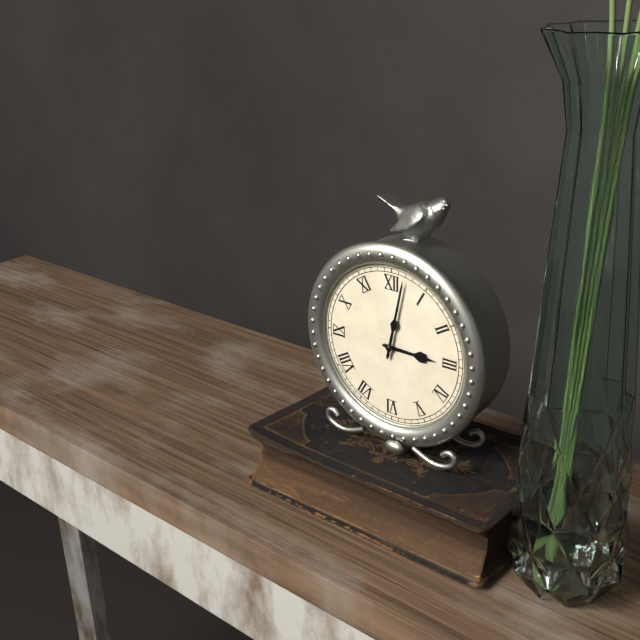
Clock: 3:02
